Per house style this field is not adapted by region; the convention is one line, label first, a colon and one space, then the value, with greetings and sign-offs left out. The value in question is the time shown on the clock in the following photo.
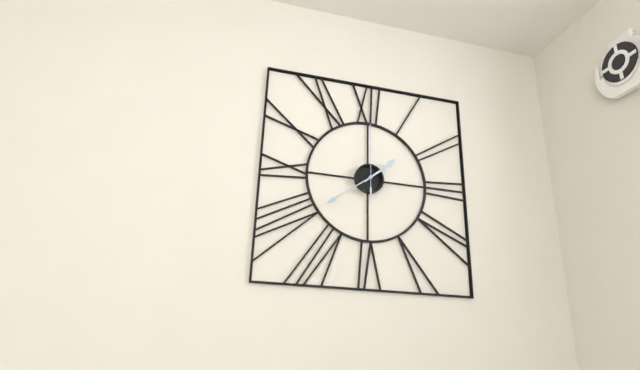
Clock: 1:39:00
